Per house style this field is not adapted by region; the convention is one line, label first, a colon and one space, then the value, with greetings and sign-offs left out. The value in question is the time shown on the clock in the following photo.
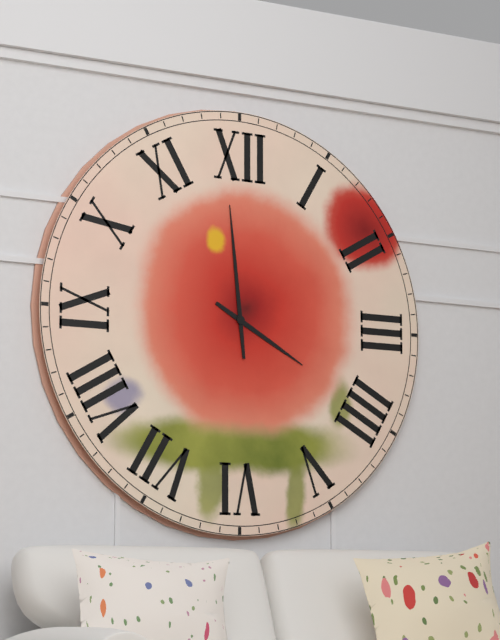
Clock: 3:59
